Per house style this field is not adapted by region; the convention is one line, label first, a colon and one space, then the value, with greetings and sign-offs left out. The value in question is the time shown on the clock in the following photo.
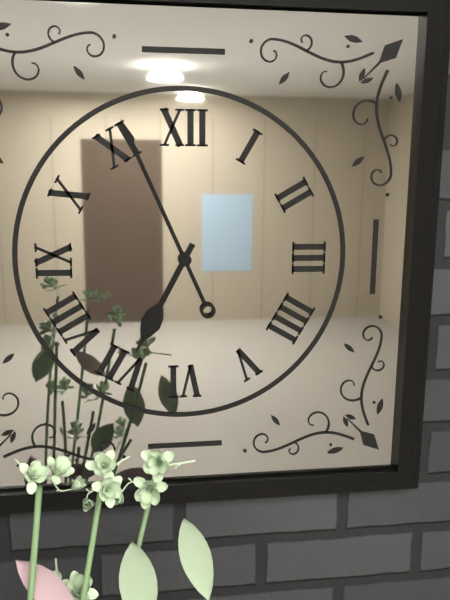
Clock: 6:56
